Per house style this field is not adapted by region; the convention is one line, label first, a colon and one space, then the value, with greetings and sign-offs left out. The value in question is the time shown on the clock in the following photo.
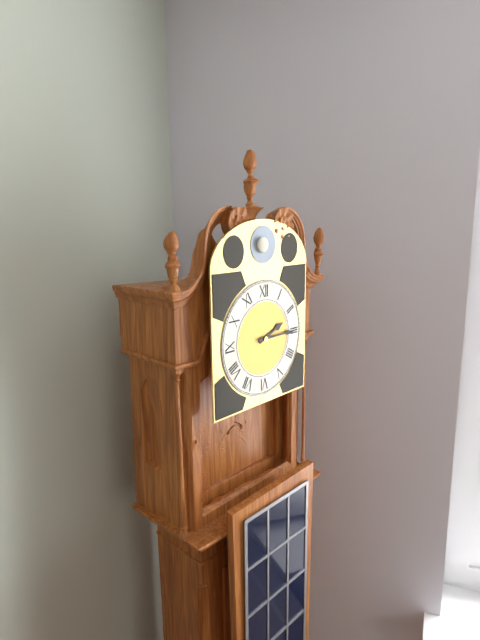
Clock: 2:15
